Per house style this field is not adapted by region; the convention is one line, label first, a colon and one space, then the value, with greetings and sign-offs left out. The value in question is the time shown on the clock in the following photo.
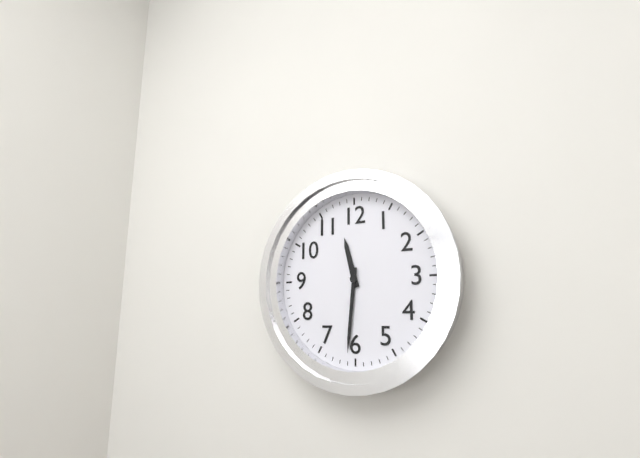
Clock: 11:31
